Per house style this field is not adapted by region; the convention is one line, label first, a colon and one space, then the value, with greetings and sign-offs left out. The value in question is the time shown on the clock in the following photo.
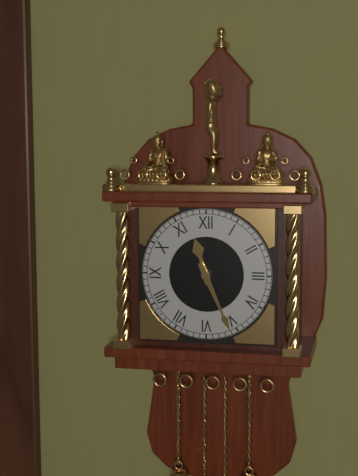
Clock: 11:26
